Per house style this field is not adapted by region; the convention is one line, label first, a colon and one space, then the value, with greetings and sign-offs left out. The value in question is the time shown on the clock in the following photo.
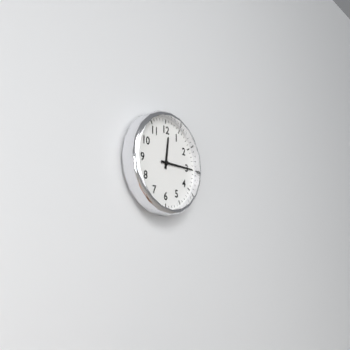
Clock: 12:15
